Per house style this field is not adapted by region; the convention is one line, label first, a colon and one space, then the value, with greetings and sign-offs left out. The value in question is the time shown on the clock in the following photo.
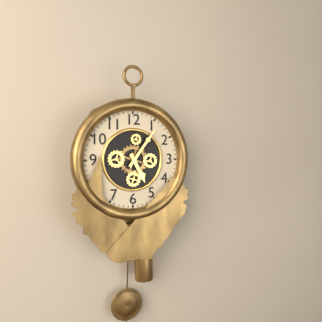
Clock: 5:06
